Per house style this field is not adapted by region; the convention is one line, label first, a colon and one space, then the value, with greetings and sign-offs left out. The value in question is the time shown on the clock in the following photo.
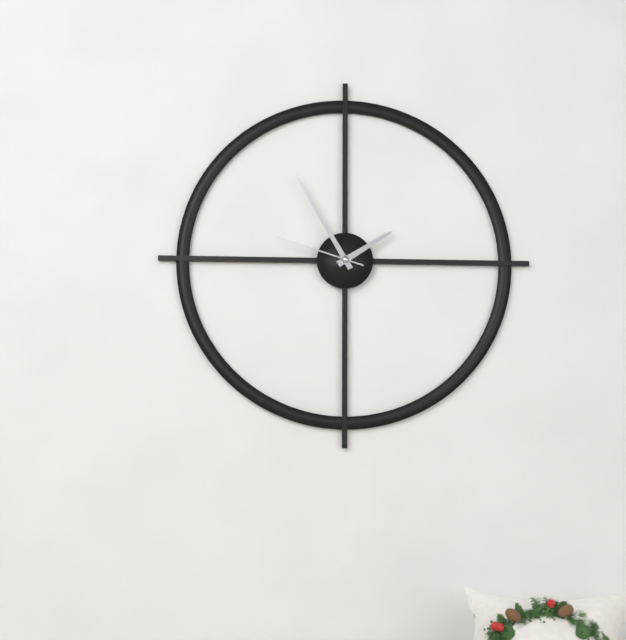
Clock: 1:55:48
